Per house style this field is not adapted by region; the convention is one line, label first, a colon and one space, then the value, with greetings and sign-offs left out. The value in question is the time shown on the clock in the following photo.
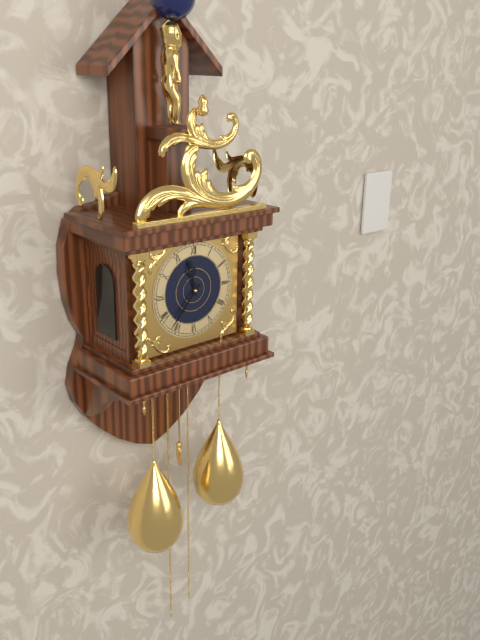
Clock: 11:37
